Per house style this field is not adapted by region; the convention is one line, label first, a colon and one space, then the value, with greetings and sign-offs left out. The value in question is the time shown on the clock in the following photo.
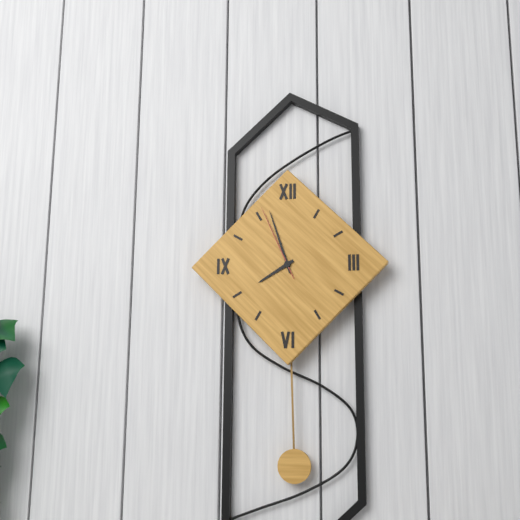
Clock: 7:57:56
